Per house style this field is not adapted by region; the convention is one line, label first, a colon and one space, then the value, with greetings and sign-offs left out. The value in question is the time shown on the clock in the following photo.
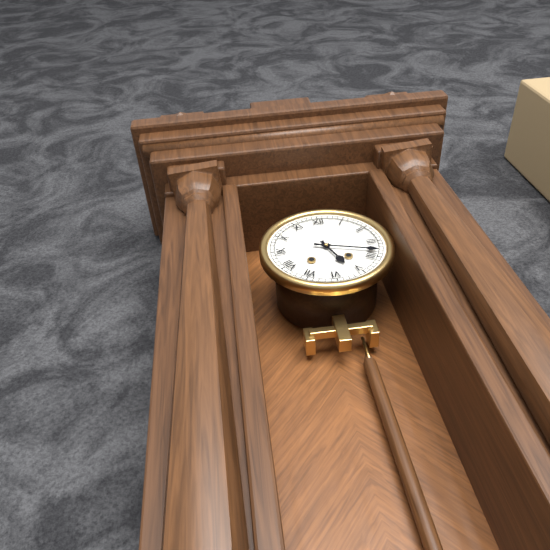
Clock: 5:18
